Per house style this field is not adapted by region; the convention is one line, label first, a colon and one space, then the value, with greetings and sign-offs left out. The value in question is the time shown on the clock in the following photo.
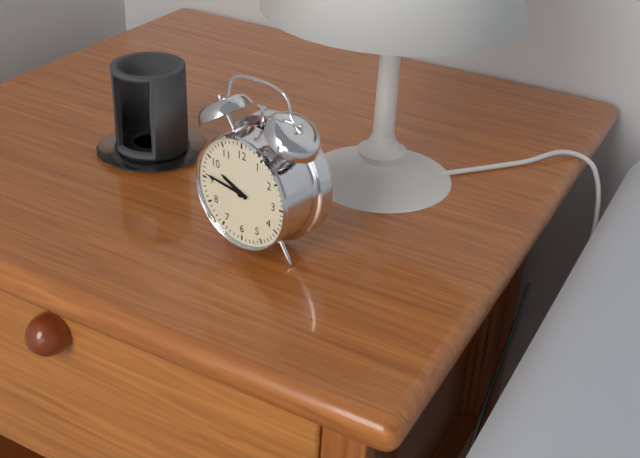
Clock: 9:46
